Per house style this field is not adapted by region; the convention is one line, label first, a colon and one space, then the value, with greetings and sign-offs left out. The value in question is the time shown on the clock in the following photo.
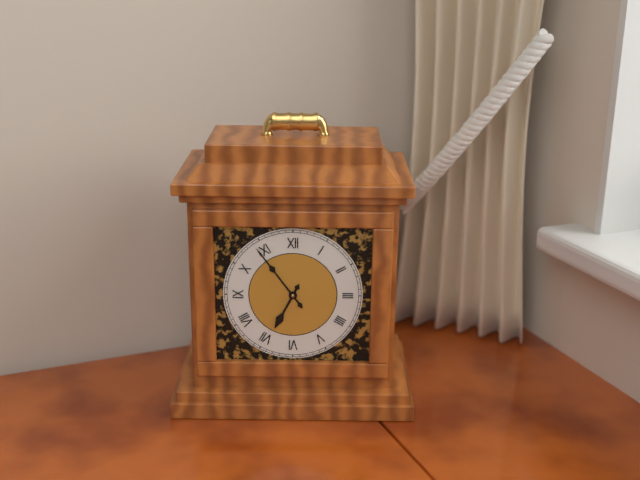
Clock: 6:54
